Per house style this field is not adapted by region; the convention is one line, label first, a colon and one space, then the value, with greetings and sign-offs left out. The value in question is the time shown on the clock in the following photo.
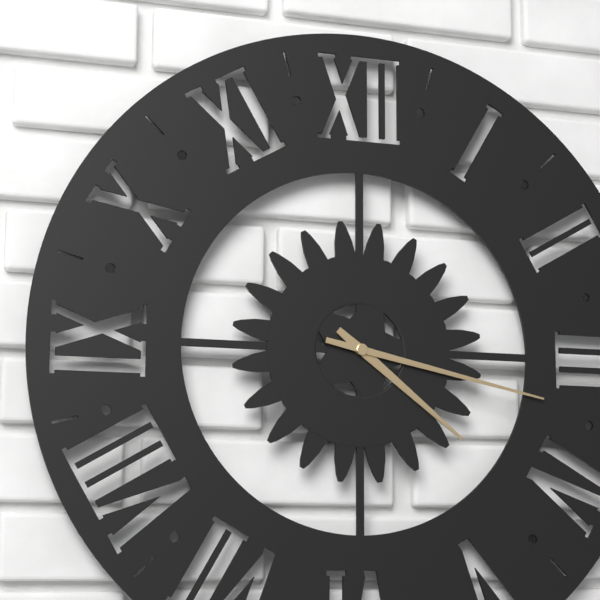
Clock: 4:17
